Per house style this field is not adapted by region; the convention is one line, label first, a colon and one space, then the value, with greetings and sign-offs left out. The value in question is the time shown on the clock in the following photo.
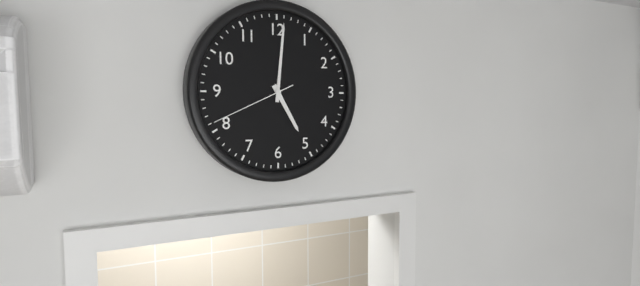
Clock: 5:01:41
